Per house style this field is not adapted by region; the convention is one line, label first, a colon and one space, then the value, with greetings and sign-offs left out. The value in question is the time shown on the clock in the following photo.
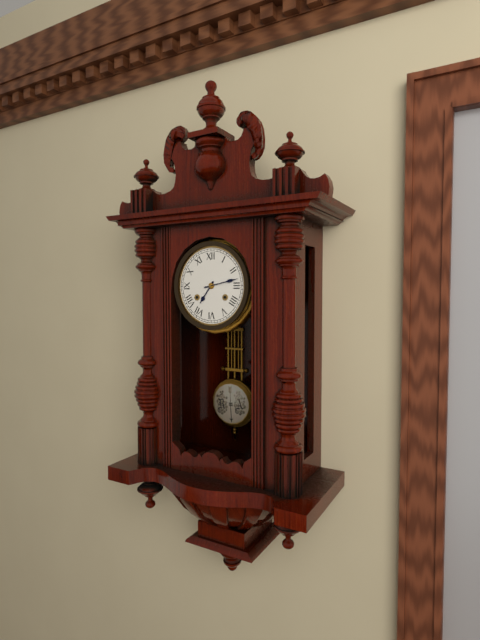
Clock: 7:13
